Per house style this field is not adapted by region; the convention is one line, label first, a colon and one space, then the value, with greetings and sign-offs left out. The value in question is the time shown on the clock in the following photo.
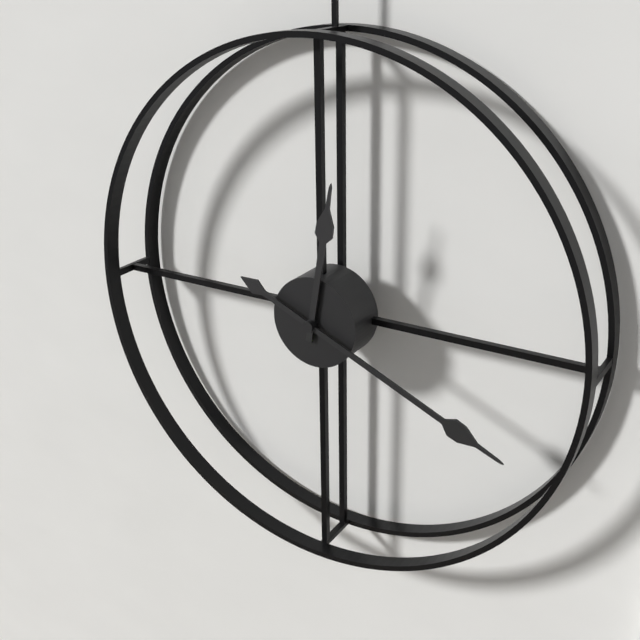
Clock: 12:19
